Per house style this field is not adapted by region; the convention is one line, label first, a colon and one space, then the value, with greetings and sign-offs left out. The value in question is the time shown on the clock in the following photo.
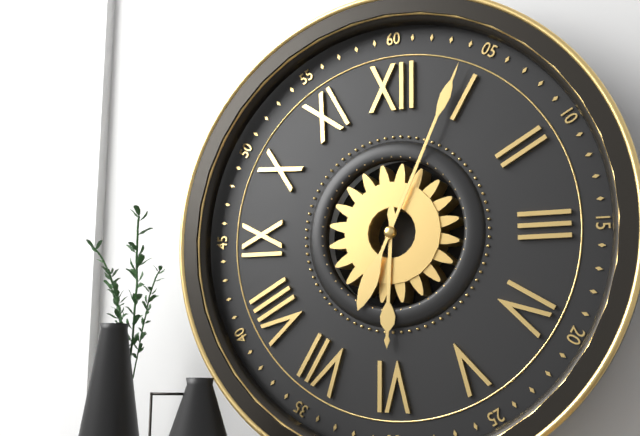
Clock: 6:04
